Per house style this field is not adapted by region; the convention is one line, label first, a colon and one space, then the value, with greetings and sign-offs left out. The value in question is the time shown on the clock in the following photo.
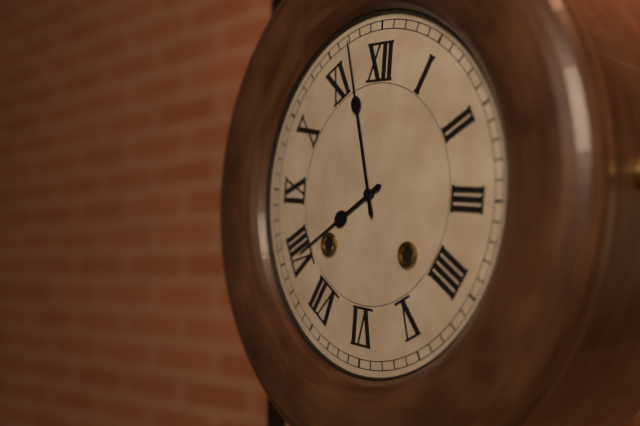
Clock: 7:57
